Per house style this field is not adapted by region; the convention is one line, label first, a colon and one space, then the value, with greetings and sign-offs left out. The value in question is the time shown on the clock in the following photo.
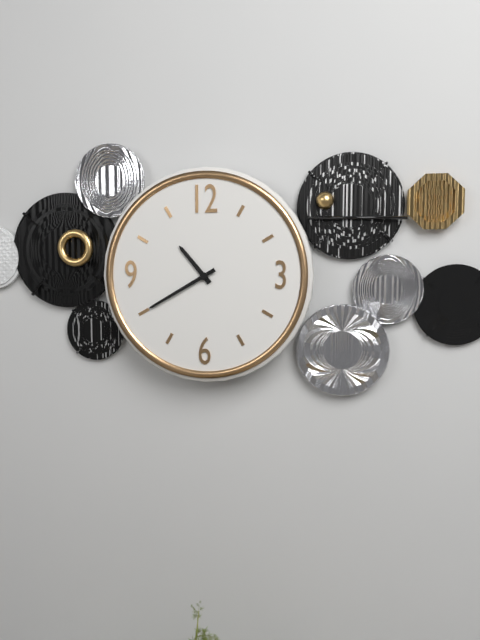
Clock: 10:40
